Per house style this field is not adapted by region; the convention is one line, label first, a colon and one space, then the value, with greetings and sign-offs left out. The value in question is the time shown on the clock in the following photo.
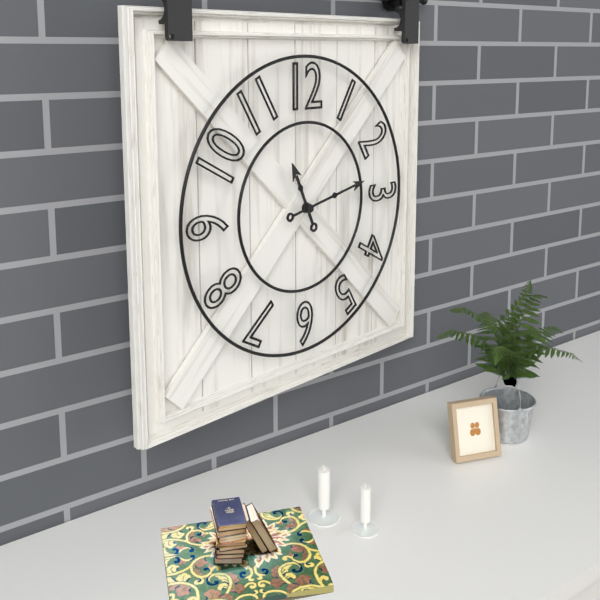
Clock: 11:13
